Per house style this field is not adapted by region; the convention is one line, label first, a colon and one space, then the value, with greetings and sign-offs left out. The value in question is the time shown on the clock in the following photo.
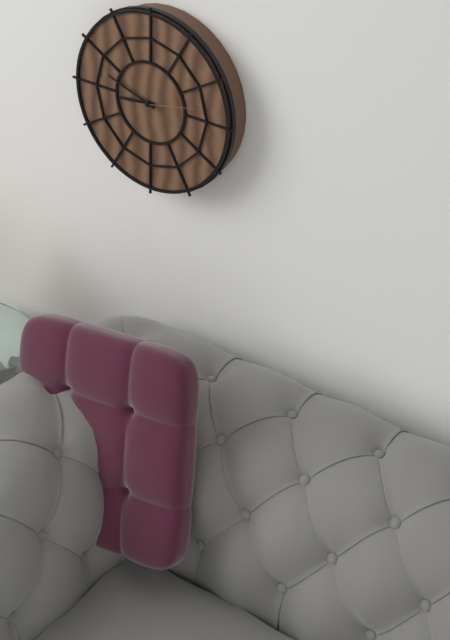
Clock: 8:48:13
